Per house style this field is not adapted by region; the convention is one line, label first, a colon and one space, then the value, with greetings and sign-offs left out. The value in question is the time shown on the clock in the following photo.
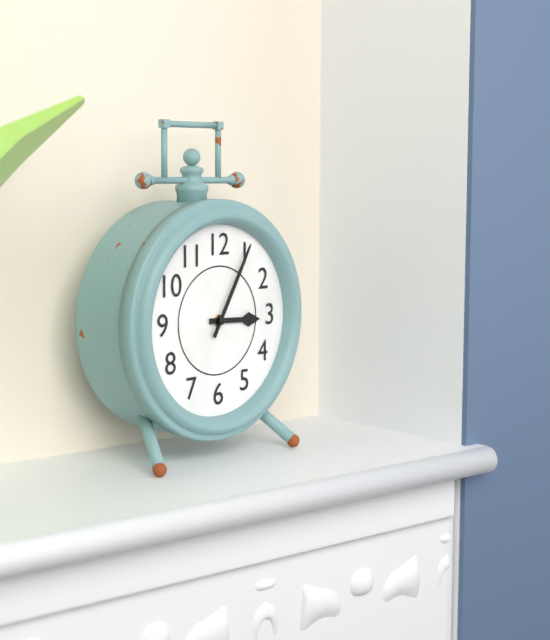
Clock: 3:05
